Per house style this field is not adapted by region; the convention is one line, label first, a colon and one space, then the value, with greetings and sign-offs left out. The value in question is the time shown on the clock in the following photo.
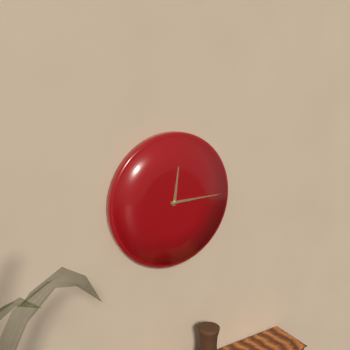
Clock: 12:15
